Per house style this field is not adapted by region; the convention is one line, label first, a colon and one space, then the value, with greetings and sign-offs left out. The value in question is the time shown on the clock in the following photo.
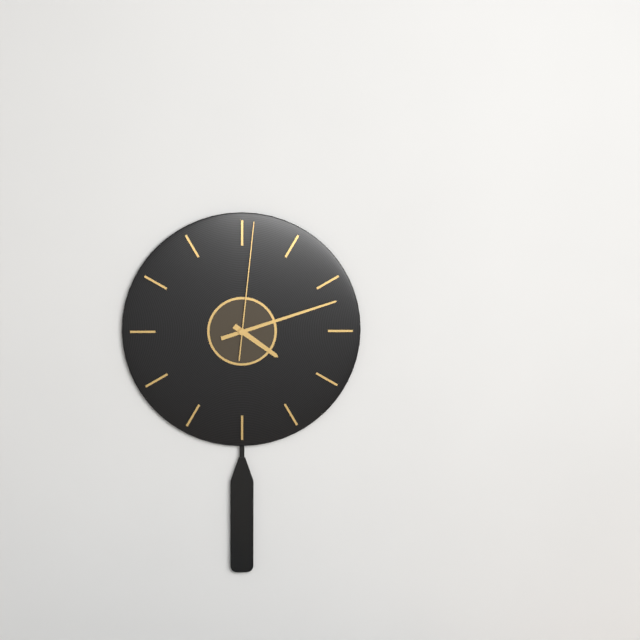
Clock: 4:12:01
